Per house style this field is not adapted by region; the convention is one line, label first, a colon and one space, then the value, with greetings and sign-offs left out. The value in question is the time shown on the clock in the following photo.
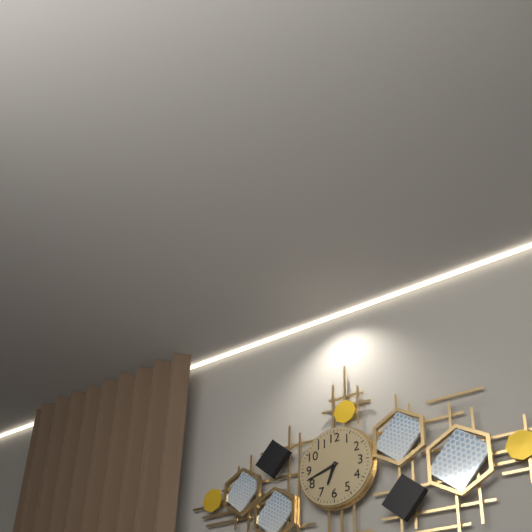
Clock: 6:42
